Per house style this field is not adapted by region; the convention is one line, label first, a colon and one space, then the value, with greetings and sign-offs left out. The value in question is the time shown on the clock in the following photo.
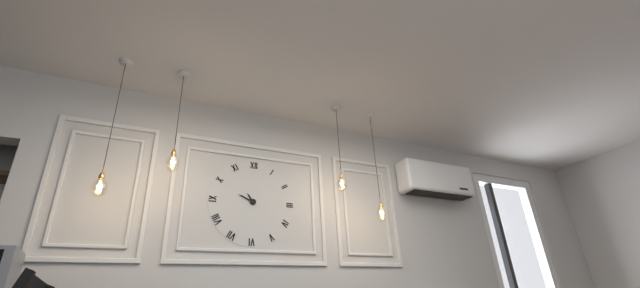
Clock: 10:49
